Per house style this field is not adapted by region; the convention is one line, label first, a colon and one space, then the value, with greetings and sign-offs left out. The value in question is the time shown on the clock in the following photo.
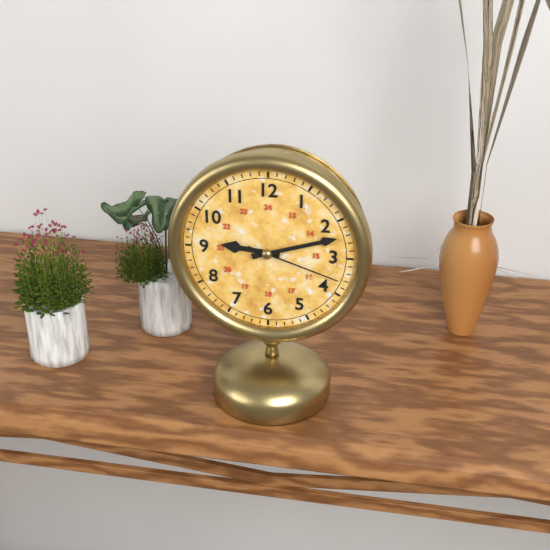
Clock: 9:12:18
